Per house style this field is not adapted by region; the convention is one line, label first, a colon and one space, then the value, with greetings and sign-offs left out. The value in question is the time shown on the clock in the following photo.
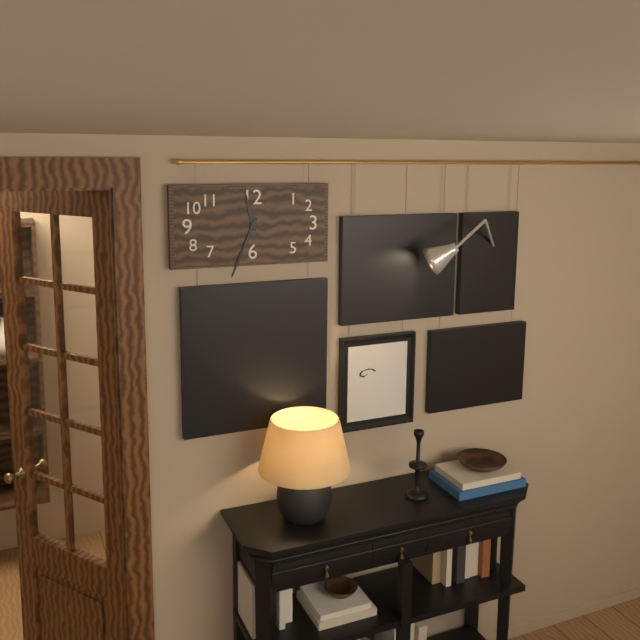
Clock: 11:34
